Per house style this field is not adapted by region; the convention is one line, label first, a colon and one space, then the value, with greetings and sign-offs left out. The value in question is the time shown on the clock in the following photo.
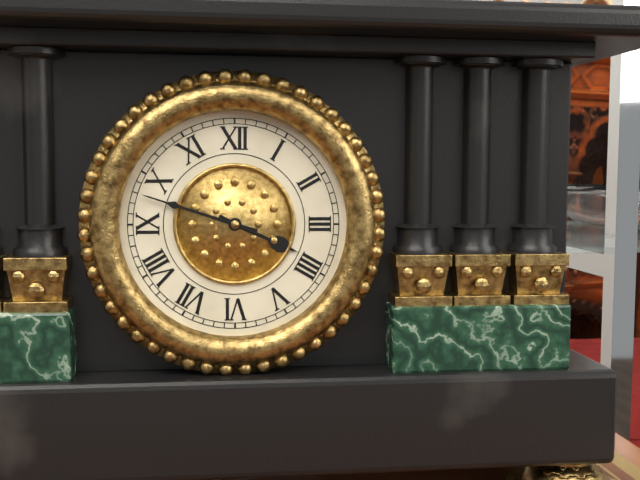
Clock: 3:48
